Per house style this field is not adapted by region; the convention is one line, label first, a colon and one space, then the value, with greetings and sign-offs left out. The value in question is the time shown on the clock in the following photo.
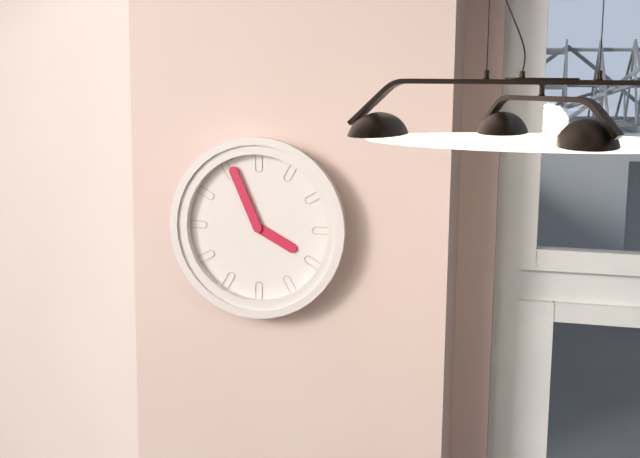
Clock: 3:56
